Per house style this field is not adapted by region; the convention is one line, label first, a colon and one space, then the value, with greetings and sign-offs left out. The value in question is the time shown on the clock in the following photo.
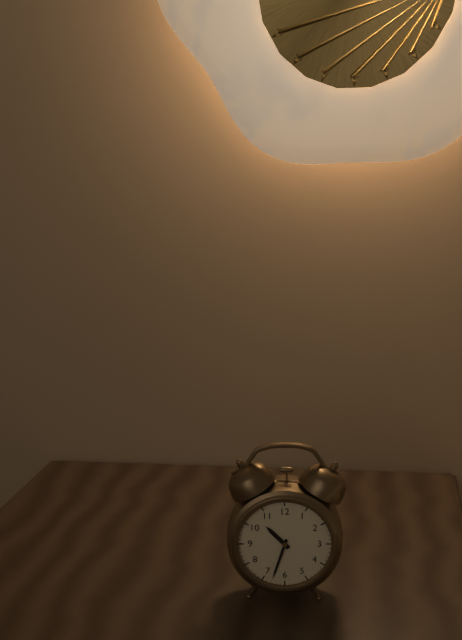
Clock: 10:33
